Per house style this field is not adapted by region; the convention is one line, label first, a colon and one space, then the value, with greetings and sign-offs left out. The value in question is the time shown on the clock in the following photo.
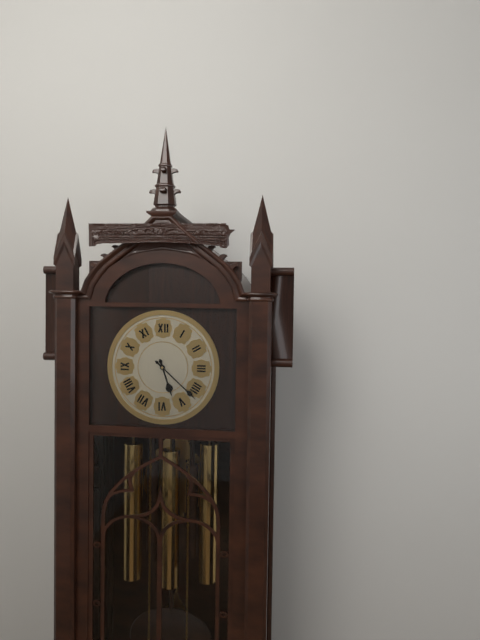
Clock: 5:22
